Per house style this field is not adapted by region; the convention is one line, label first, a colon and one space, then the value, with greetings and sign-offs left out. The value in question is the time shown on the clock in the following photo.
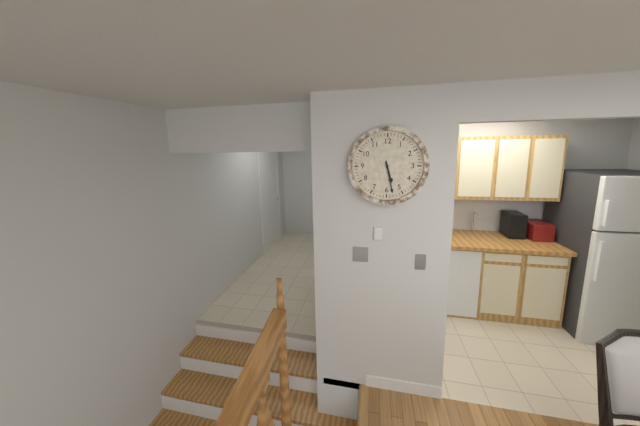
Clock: 5:28
